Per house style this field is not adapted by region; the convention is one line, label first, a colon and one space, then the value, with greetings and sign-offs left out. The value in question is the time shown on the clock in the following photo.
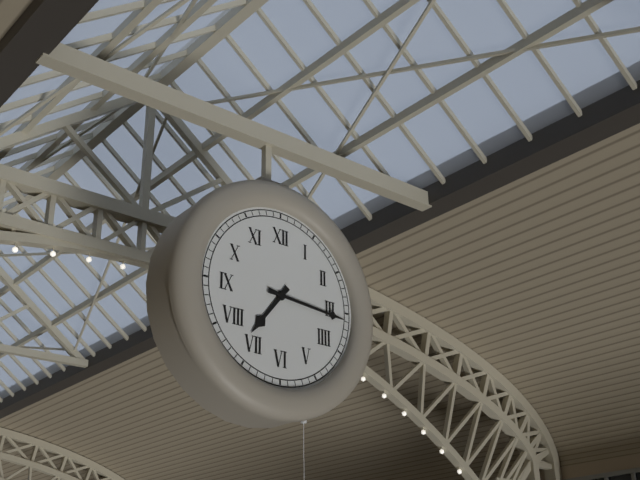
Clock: 7:16
